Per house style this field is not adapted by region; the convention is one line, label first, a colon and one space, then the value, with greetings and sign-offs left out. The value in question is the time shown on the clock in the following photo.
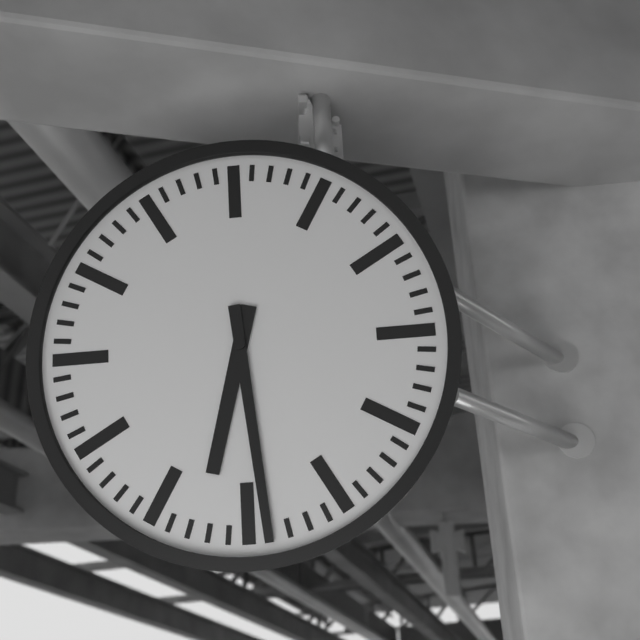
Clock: 6:29
